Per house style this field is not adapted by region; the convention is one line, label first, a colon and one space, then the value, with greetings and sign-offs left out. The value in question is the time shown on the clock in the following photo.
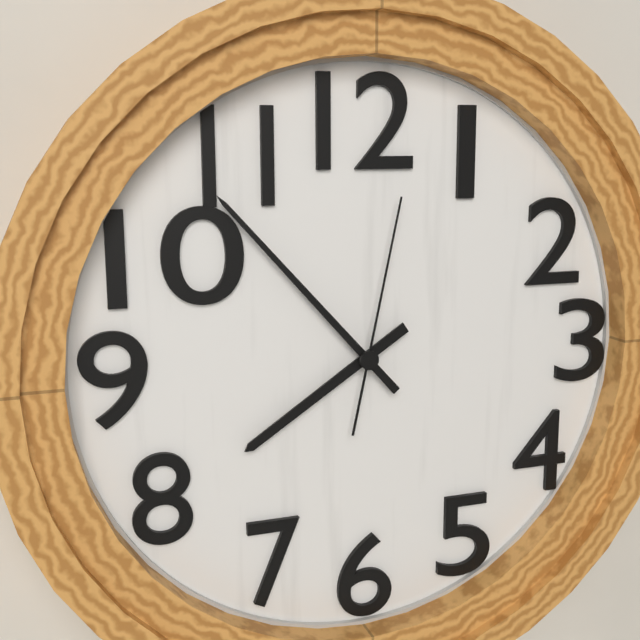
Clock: 7:53:02
